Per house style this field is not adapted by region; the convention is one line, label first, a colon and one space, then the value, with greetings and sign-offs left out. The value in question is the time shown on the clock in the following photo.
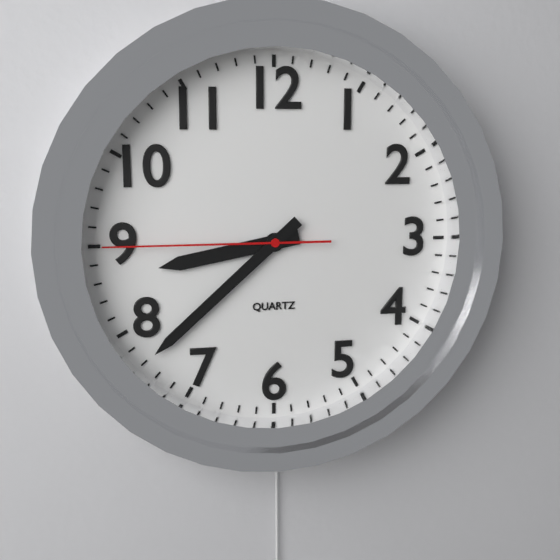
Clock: 8:38:45
